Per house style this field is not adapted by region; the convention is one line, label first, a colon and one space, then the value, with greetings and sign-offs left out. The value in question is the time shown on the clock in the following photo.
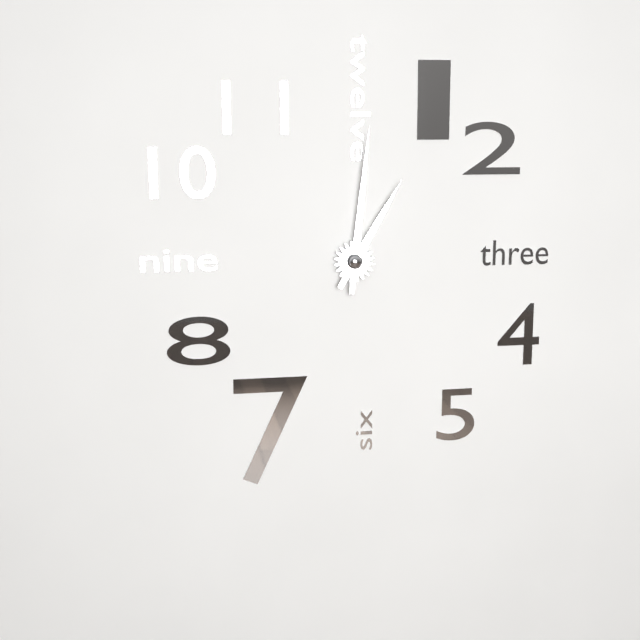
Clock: 1:01
